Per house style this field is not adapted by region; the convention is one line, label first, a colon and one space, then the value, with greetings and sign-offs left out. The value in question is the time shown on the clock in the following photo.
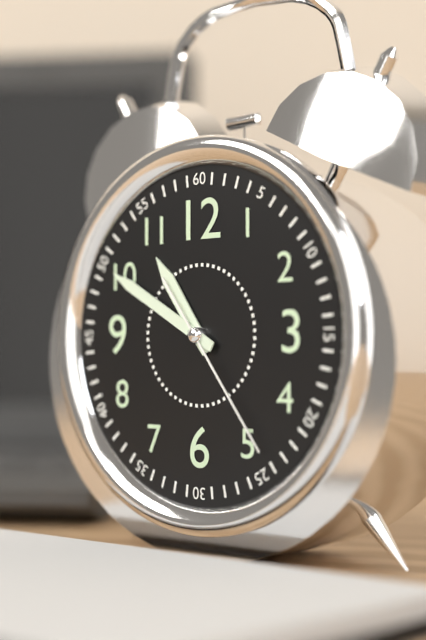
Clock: 10:50:24
